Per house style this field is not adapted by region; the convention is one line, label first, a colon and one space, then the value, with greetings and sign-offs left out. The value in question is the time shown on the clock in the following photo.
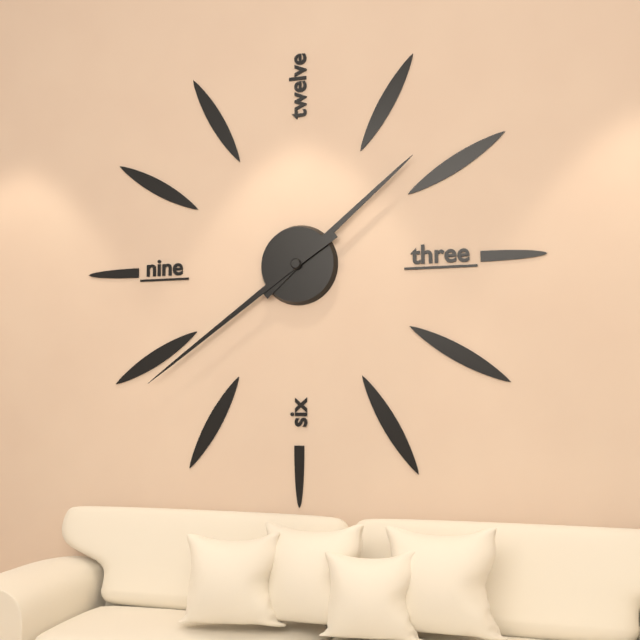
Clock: 1:39
